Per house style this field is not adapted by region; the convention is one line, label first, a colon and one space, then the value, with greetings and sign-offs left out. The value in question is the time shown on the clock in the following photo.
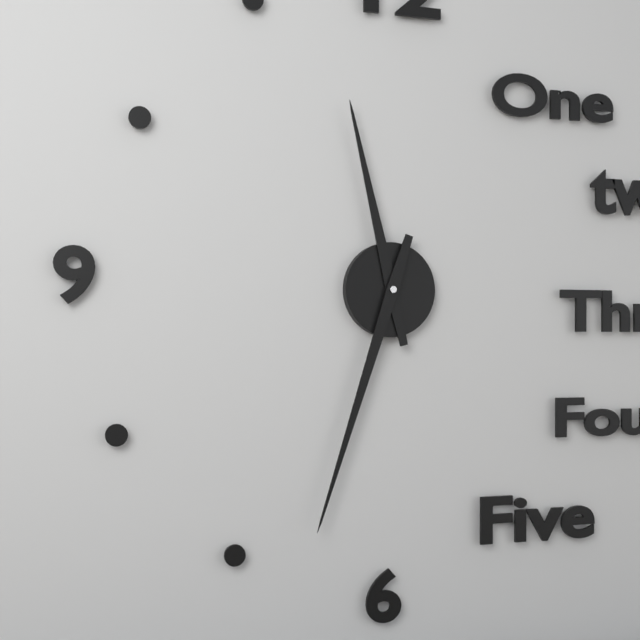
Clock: 11:33
